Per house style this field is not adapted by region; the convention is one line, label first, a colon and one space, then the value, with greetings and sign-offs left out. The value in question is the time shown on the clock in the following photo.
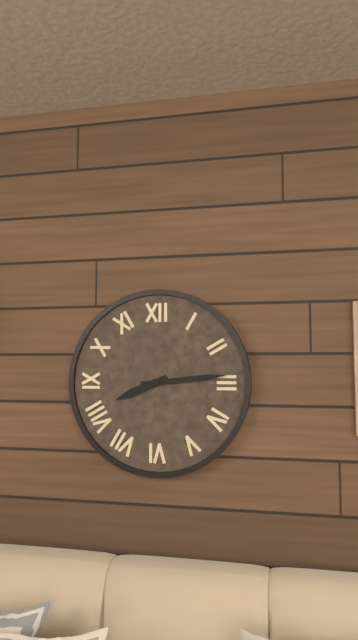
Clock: 8:14
